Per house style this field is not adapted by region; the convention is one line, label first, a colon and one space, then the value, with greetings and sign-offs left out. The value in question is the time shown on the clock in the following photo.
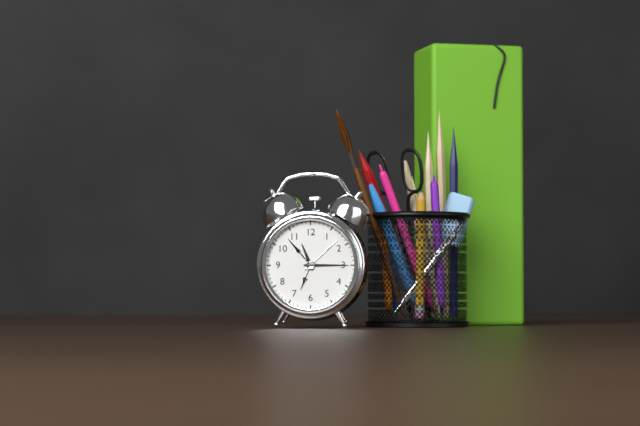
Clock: 11:15
